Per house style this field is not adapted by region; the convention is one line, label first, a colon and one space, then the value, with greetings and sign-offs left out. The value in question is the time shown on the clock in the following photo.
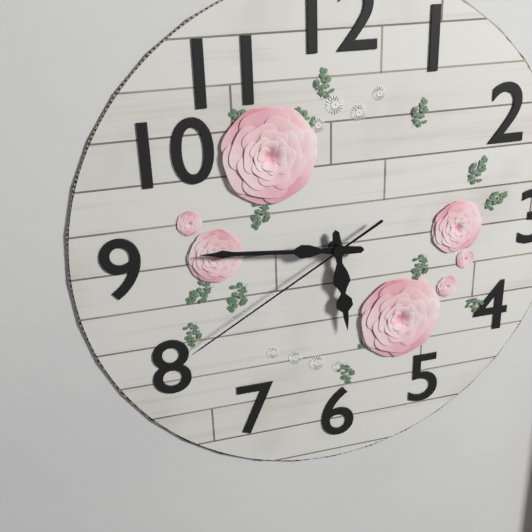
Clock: 5:46:40
